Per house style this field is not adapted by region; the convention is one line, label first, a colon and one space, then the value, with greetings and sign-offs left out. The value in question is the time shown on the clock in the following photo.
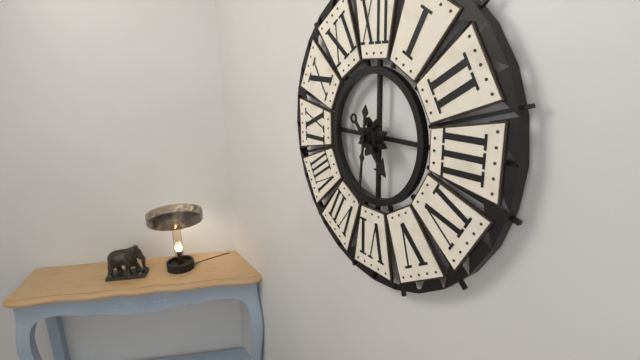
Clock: 4:31
